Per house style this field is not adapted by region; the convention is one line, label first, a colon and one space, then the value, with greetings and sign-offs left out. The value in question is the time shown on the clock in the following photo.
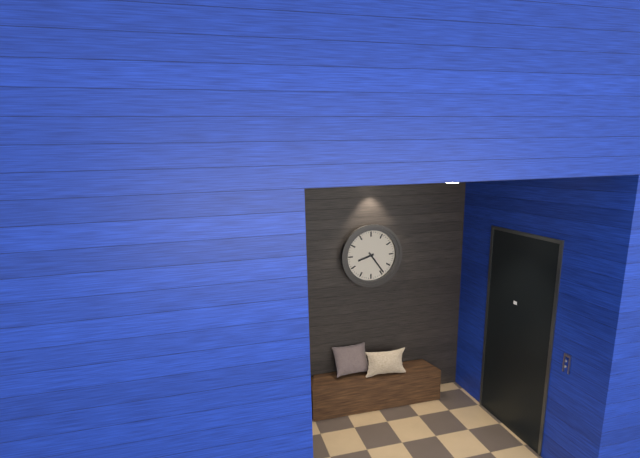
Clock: 8:24
